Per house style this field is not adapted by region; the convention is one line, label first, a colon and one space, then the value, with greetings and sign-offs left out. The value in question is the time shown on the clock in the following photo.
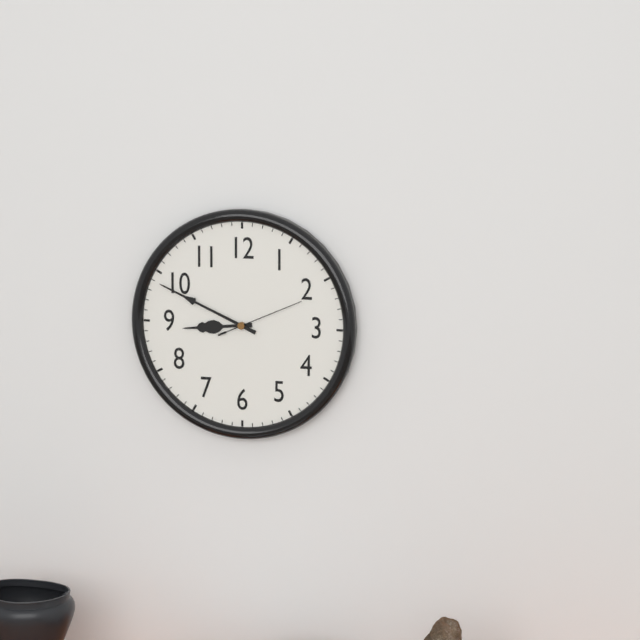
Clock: 8:49:11
